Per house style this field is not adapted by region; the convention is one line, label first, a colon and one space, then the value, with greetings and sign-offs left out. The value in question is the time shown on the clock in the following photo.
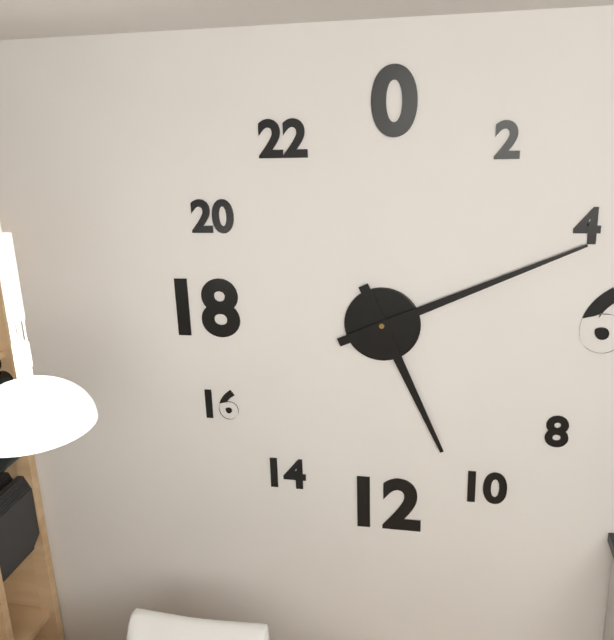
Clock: 5:11
